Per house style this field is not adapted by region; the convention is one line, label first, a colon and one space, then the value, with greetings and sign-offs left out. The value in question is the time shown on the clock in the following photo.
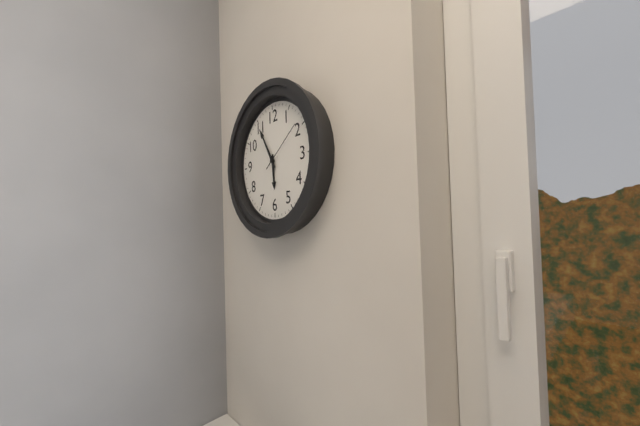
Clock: 5:55:09
